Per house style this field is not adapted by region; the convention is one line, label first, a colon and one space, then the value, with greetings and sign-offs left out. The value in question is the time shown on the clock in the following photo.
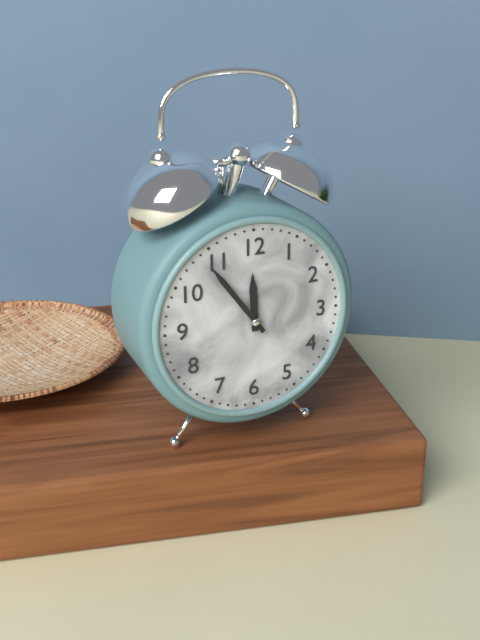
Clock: 11:54
